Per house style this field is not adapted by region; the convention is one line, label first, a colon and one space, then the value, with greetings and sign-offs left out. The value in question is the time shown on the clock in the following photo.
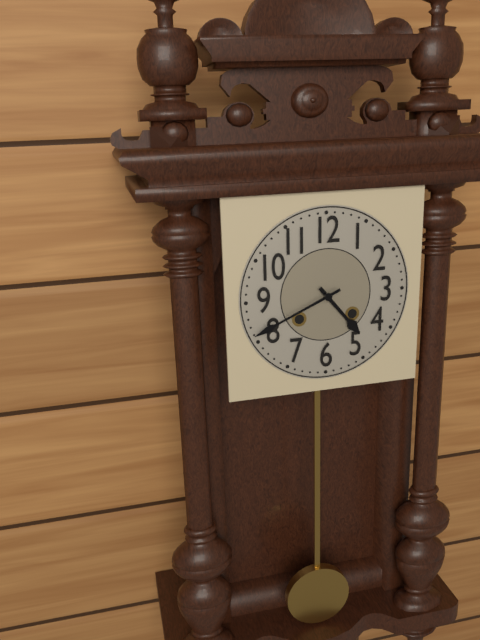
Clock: 4:41
